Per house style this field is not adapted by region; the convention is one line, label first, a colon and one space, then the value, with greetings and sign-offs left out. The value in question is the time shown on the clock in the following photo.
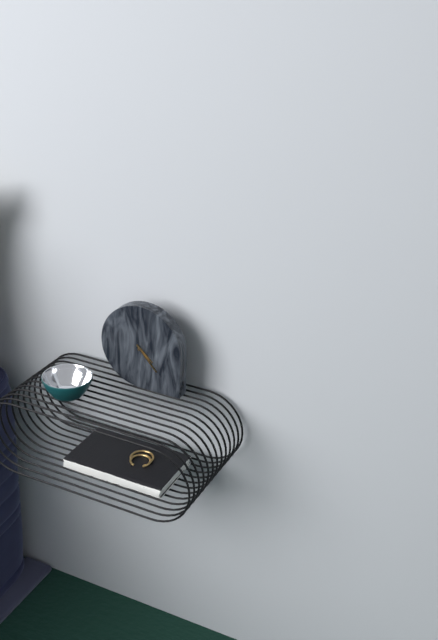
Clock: 4:23
